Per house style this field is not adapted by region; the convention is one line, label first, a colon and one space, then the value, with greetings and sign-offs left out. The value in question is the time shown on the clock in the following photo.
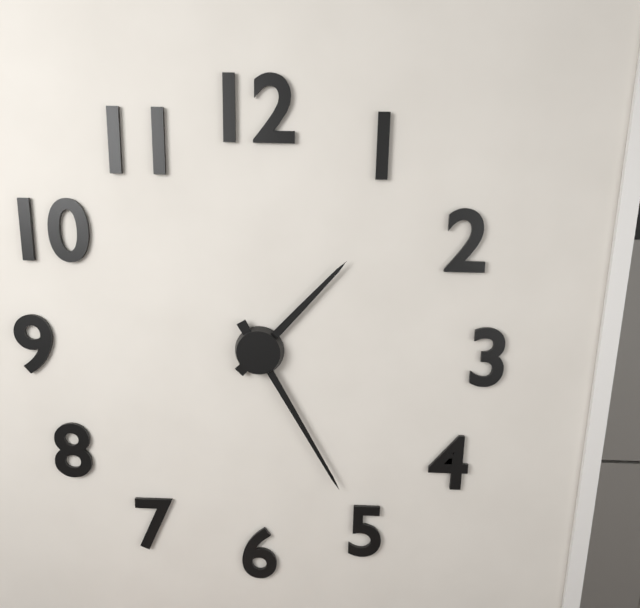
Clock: 1:25
